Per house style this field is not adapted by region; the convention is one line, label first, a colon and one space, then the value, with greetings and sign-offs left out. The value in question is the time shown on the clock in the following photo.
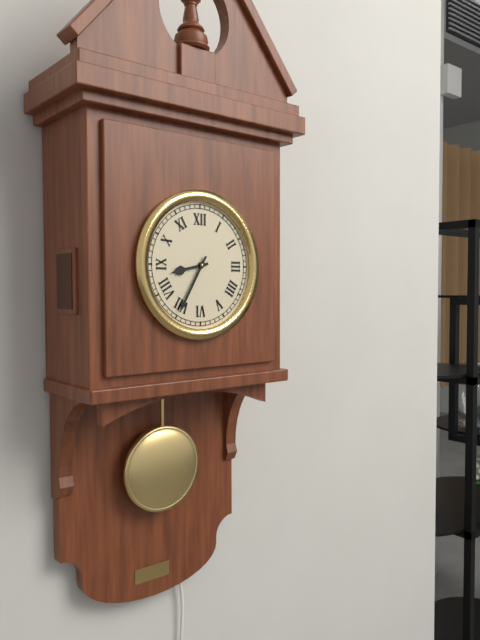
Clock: 8:35
